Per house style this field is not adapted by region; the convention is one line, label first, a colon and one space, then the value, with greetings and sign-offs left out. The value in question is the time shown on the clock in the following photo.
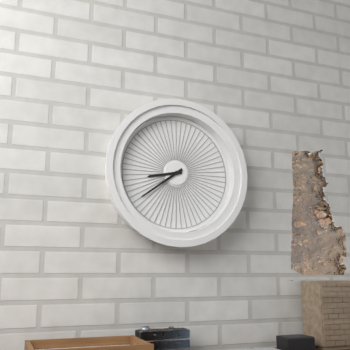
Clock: 8:39
